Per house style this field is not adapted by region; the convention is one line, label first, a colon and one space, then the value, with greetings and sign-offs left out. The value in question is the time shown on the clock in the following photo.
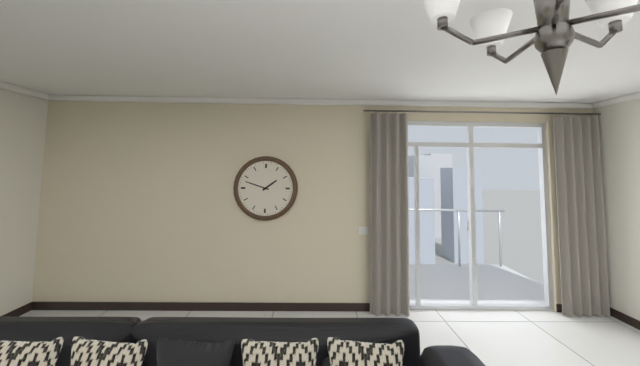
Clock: 1:48
